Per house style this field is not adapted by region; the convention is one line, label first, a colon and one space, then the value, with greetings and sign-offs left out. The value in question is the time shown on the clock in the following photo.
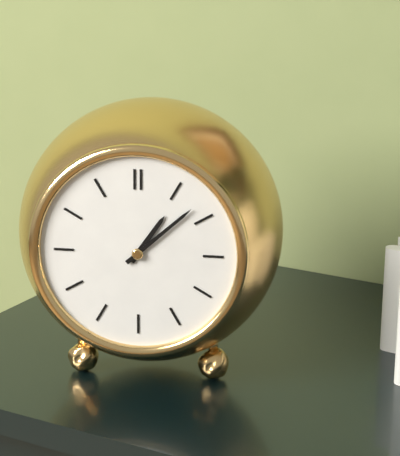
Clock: 1:08
